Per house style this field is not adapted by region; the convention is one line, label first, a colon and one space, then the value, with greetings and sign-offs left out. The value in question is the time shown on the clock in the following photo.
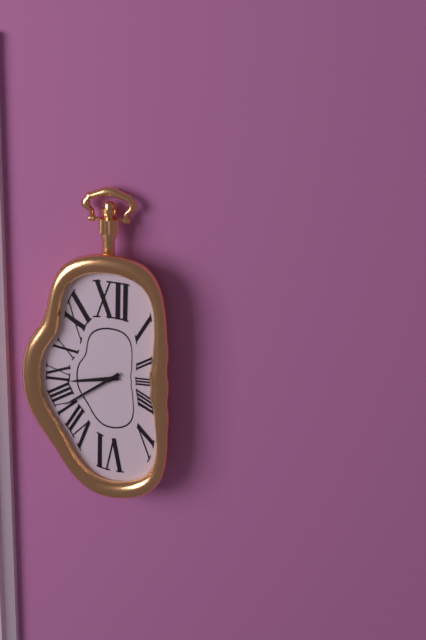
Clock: 8:39
